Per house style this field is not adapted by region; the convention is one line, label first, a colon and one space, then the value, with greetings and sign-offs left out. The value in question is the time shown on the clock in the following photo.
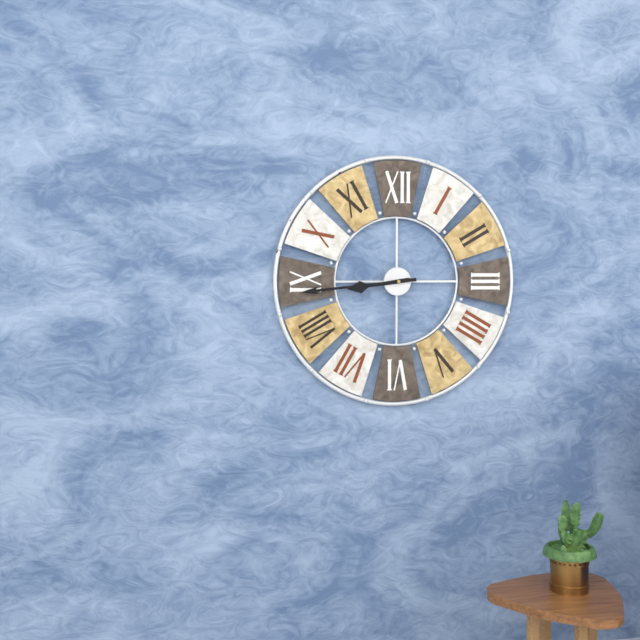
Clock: 8:44
